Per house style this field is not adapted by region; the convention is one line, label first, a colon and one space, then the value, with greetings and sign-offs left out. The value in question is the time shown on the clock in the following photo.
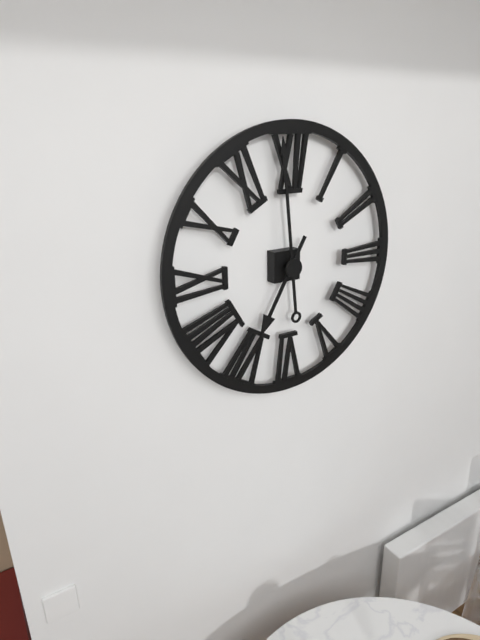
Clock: 6:59
